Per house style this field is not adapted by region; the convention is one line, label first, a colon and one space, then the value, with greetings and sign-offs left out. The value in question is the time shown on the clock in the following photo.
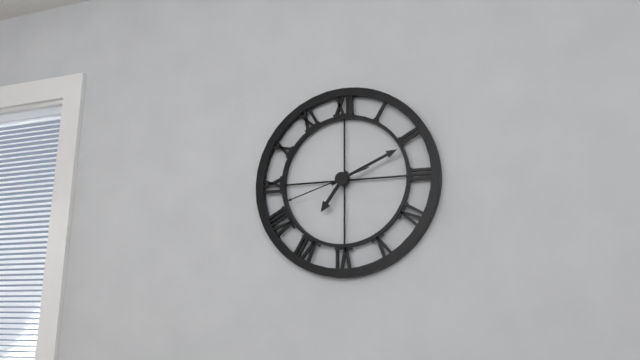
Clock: 7:11:42
